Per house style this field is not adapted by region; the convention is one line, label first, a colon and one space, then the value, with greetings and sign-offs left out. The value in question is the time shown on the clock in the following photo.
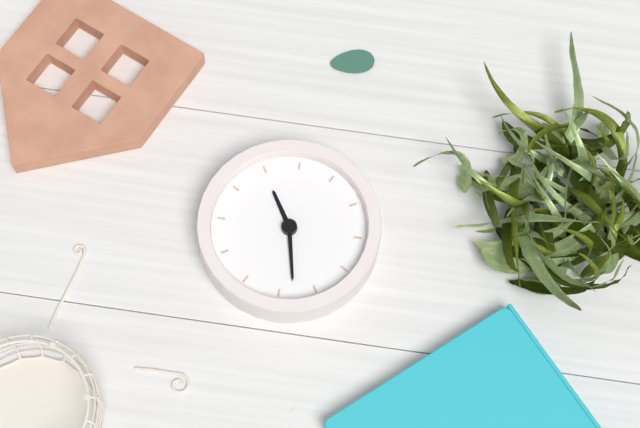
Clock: 4:58
